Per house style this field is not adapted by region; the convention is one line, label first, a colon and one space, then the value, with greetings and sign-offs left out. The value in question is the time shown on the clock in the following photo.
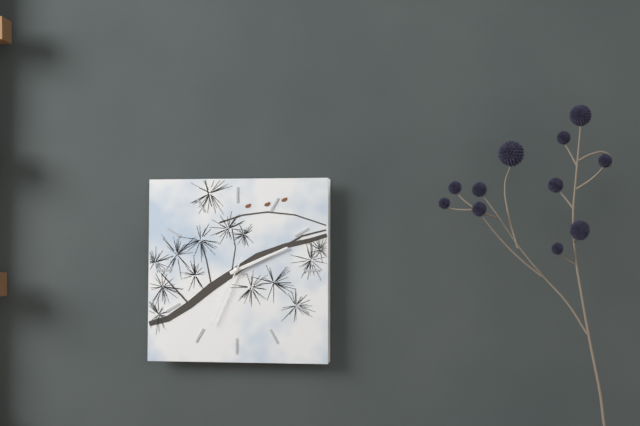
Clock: 2:11:34
